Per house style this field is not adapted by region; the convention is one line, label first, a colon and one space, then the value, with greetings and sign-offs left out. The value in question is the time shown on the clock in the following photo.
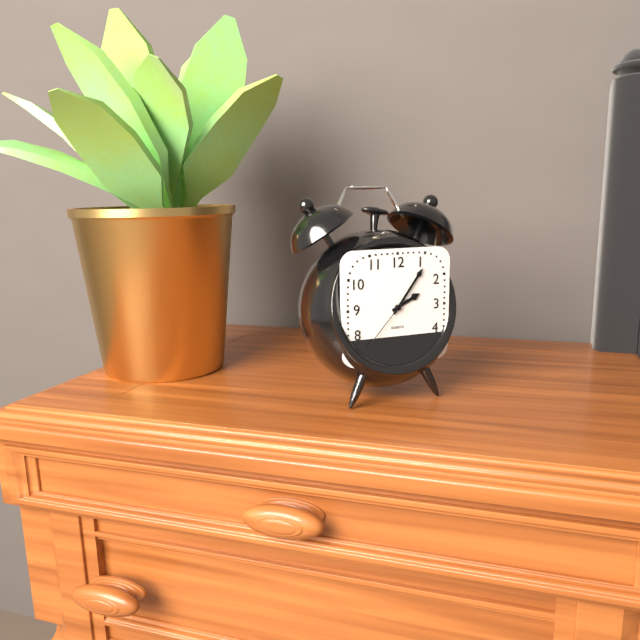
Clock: 2:06:37
